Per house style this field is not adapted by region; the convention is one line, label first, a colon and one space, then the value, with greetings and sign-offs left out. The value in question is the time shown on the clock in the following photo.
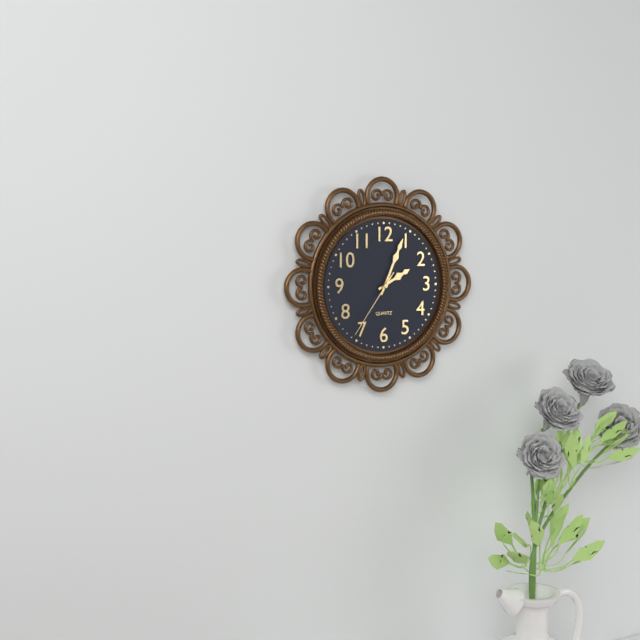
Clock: 2:04:36
